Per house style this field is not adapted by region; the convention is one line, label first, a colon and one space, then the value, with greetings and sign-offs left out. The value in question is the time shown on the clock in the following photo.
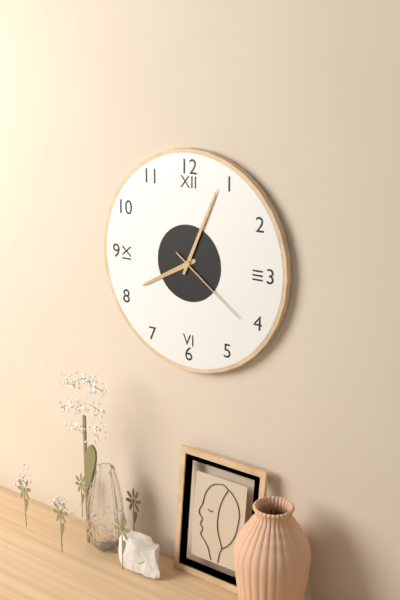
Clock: 8:04:21
